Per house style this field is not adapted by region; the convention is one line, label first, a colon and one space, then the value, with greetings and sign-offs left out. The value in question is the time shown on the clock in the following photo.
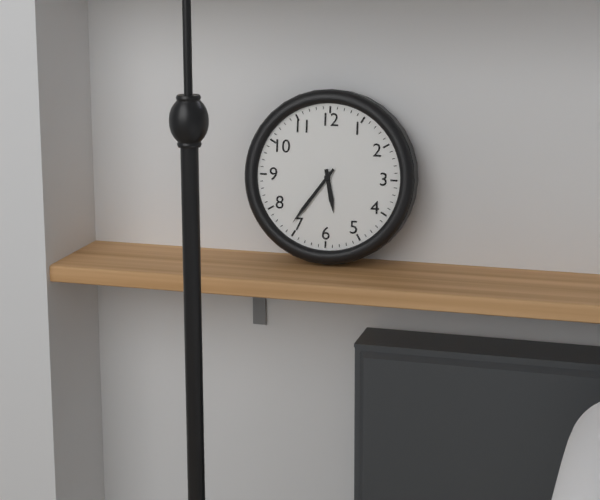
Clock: 5:36
